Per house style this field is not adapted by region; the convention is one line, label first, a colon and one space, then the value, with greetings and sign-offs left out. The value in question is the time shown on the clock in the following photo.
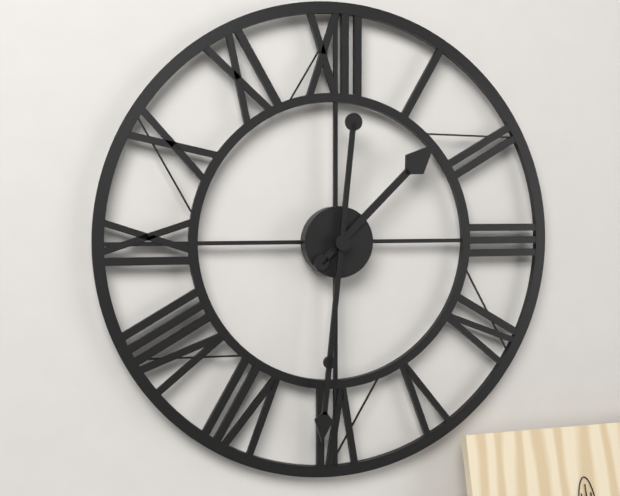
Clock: 1:31
